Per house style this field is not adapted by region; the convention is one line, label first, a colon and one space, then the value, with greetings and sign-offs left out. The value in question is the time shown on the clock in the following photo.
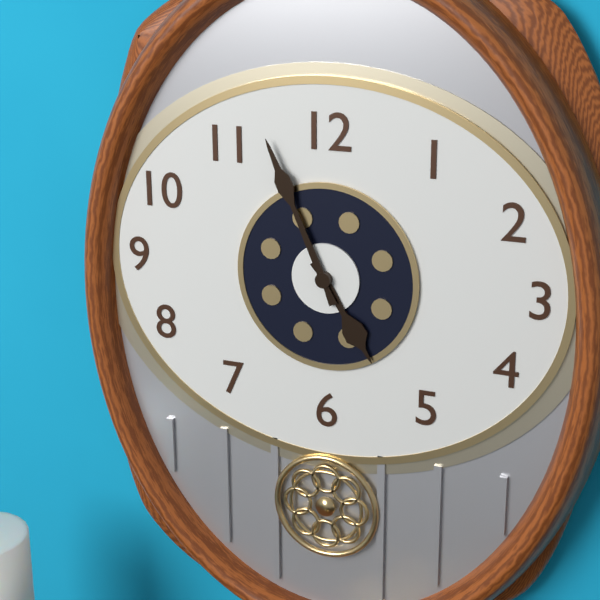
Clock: 4:56
